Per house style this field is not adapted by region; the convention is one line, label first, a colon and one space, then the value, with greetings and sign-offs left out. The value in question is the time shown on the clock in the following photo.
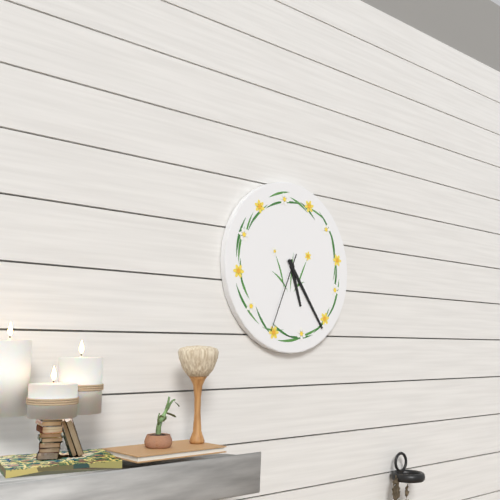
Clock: 5:24:34
